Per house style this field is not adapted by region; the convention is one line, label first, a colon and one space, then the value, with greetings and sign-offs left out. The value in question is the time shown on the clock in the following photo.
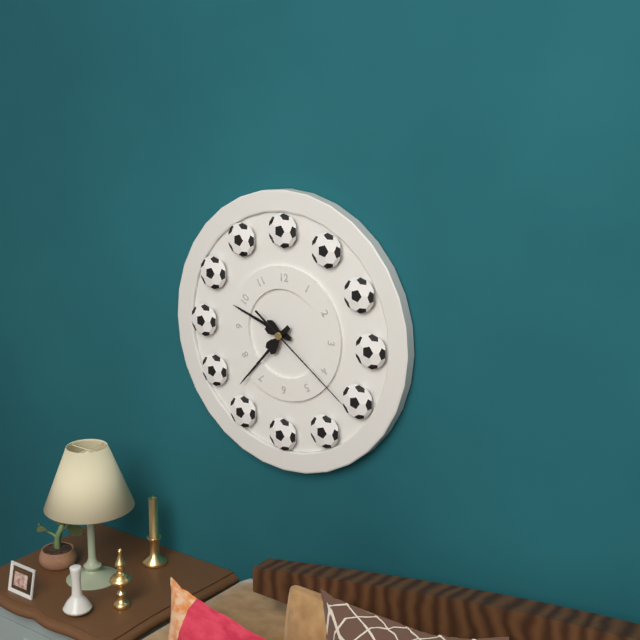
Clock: 9:37:21
